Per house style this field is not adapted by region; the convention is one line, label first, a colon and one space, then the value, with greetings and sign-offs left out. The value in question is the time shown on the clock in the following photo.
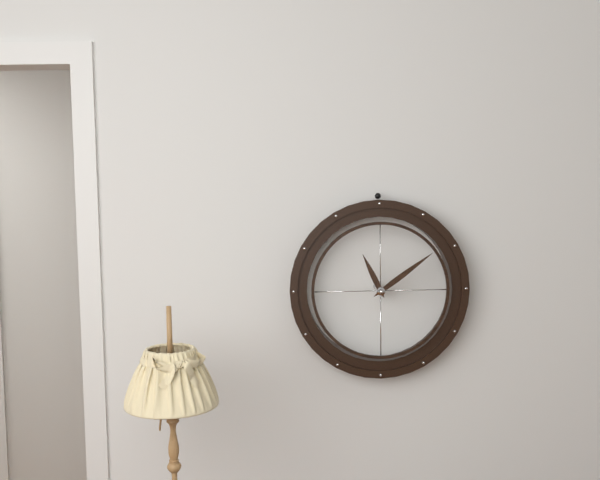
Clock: 11:09
